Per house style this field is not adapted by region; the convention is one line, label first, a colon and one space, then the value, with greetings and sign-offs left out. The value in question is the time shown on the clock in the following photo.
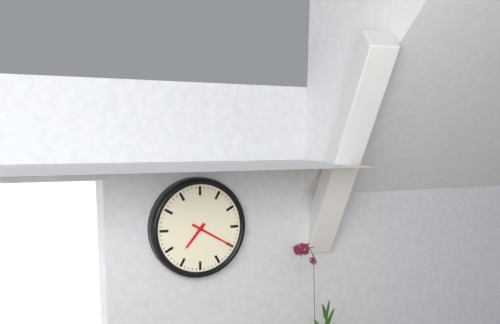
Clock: 7:20
